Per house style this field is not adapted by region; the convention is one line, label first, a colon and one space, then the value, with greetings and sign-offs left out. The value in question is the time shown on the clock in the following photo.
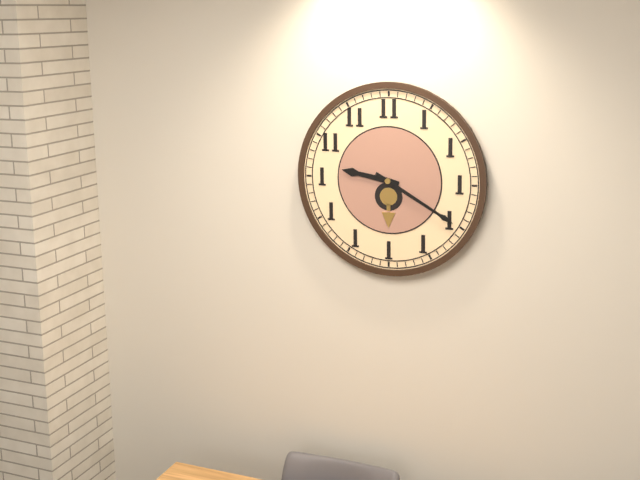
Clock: 9:20
